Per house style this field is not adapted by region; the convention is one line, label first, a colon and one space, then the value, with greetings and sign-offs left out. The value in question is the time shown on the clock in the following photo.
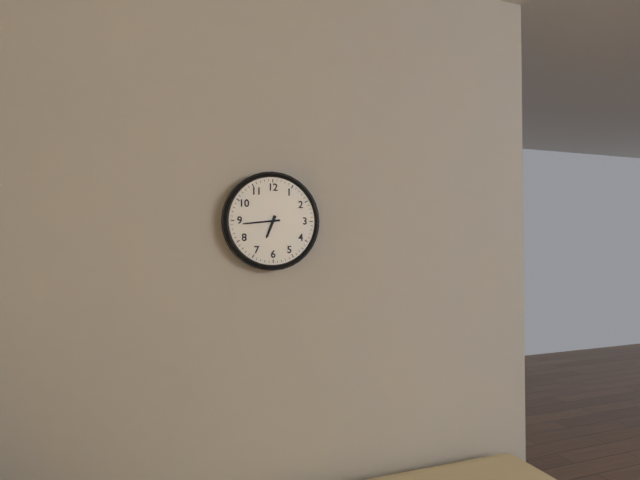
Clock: 6:44
